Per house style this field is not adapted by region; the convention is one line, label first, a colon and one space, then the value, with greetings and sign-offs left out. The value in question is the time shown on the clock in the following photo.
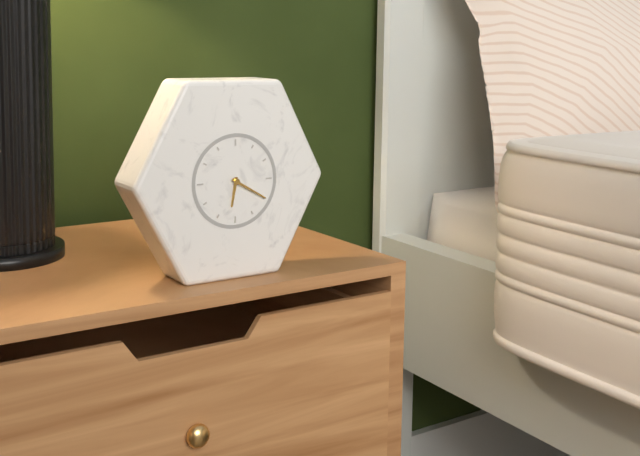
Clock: 6:20
